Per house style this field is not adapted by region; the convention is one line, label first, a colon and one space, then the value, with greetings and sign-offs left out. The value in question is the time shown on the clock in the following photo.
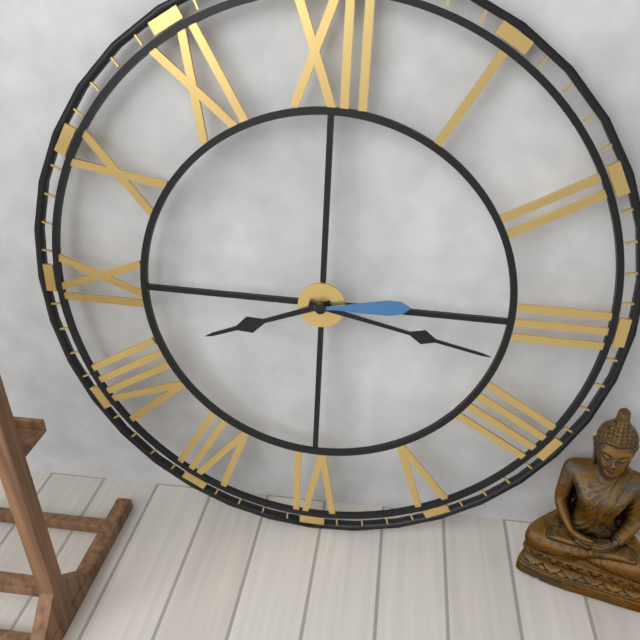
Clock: 8:17:14
